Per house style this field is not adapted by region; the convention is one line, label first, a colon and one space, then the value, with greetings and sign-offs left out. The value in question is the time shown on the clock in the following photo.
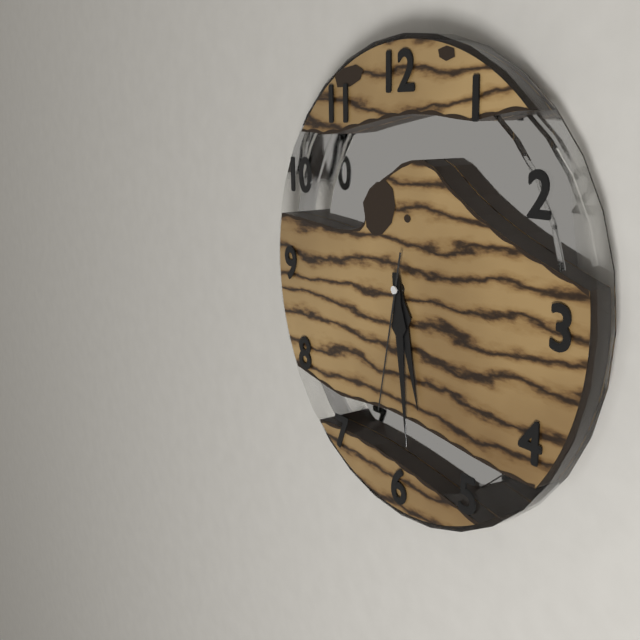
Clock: 5:29:32
